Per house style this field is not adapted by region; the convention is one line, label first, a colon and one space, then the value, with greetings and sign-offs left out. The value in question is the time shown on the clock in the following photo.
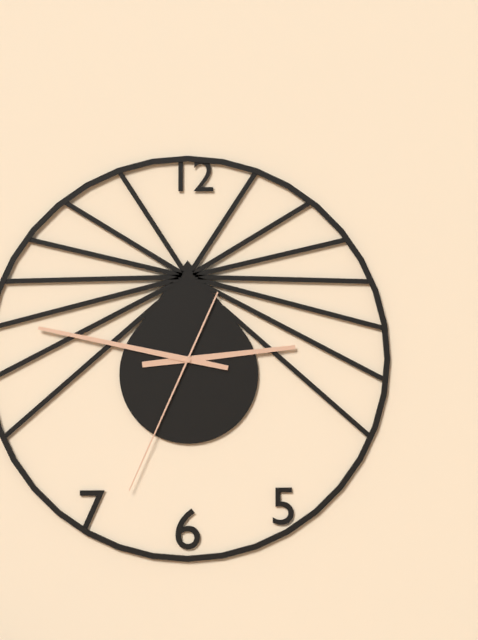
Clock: 2:47:34
